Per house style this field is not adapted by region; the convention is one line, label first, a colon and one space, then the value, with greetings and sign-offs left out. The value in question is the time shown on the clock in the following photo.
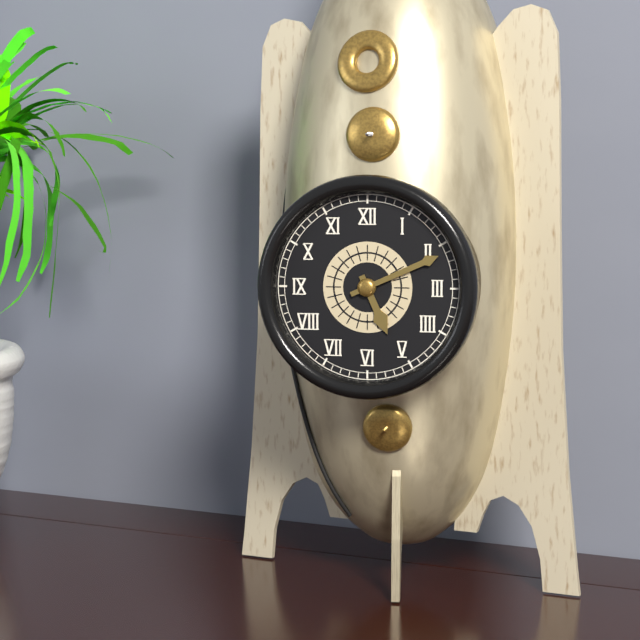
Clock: 5:11
